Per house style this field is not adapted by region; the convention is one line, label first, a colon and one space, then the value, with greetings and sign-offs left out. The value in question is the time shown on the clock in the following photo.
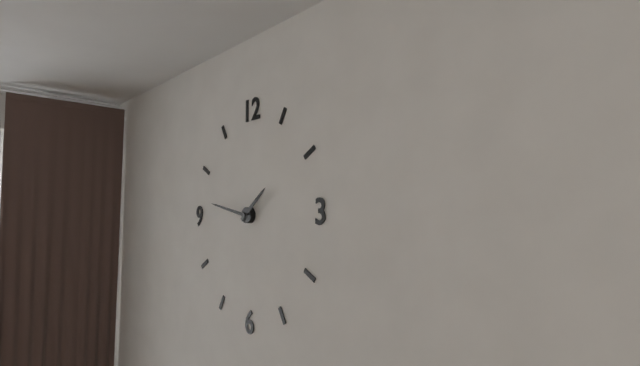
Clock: 1:47
